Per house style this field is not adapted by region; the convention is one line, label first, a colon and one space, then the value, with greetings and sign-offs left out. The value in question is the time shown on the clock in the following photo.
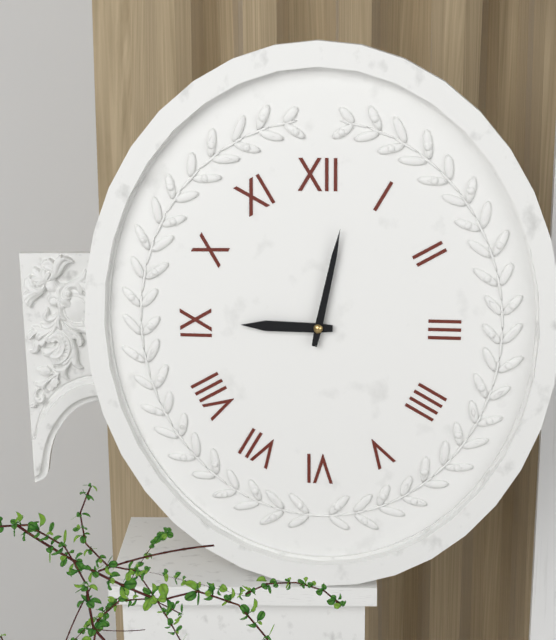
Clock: 9:02
